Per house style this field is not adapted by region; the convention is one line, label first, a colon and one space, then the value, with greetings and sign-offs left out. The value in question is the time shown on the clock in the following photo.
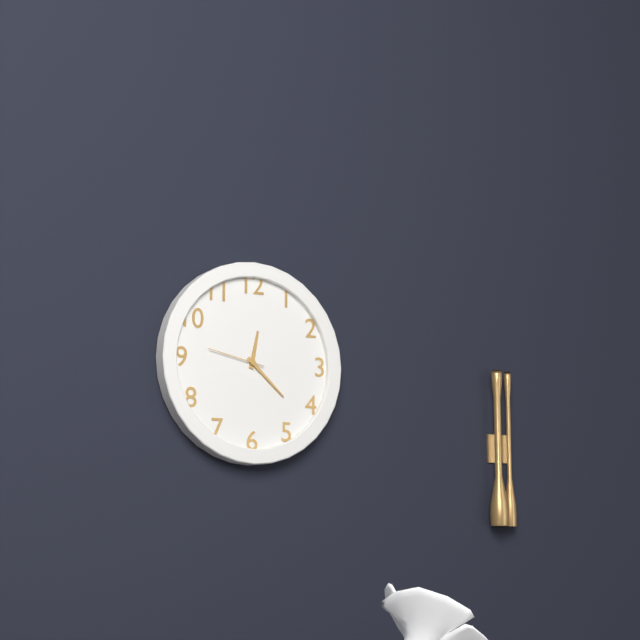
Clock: 12:22:47
